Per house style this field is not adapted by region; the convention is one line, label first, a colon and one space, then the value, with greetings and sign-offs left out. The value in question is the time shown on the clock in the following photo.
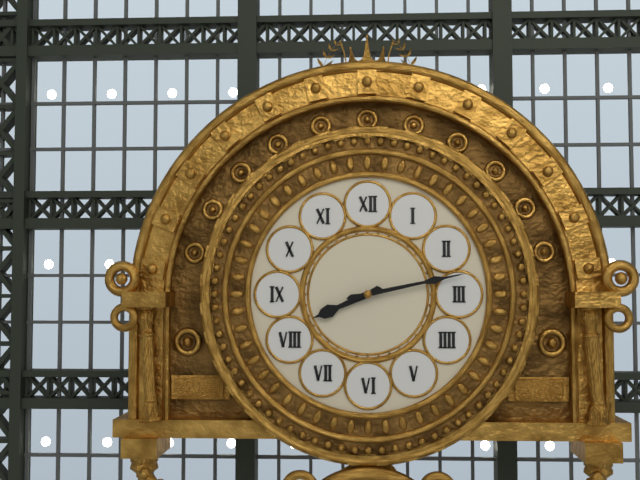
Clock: 8:13
